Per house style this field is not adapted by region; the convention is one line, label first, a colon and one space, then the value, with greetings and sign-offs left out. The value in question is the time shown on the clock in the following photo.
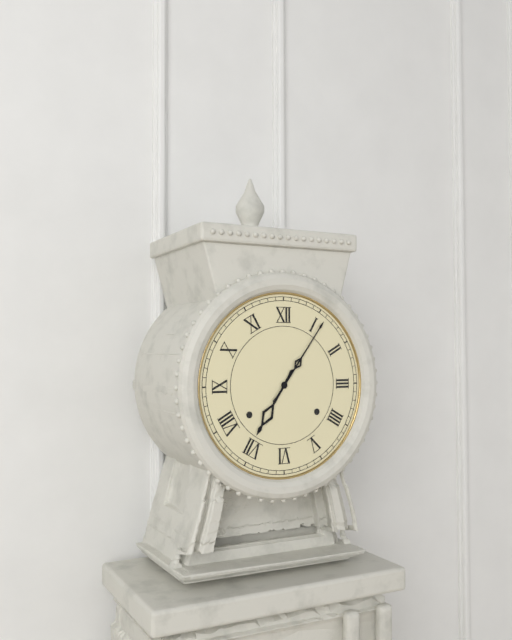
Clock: 7:06
